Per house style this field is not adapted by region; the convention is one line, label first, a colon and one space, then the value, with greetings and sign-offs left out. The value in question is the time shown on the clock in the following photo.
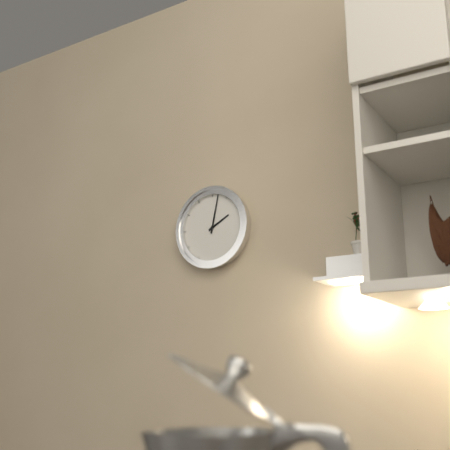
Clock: 2:02
